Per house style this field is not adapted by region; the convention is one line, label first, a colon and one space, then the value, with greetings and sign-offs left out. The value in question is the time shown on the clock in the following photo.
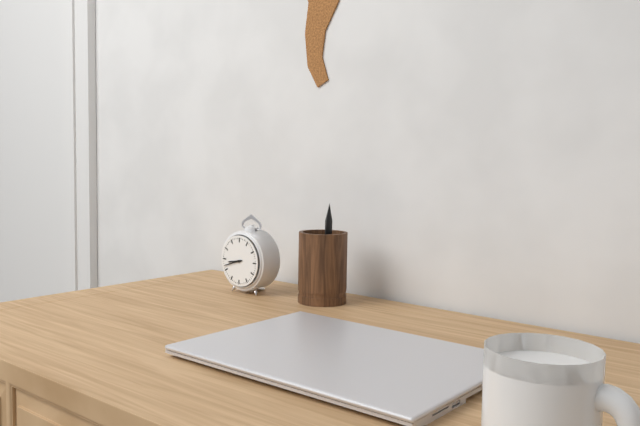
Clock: 8:42
